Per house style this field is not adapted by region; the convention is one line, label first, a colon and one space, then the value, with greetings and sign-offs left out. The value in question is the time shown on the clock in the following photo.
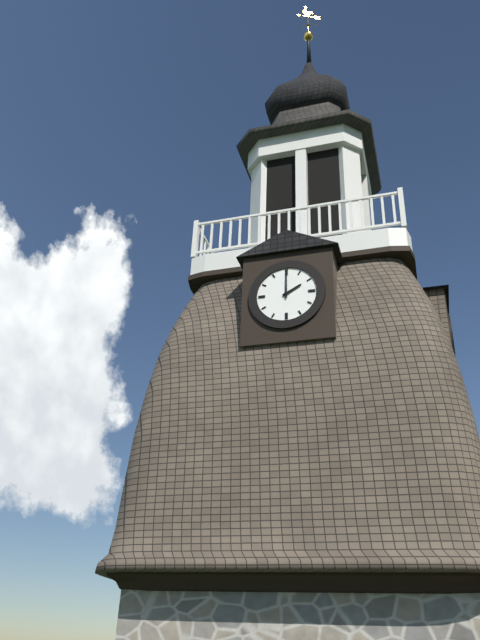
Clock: 2:00
